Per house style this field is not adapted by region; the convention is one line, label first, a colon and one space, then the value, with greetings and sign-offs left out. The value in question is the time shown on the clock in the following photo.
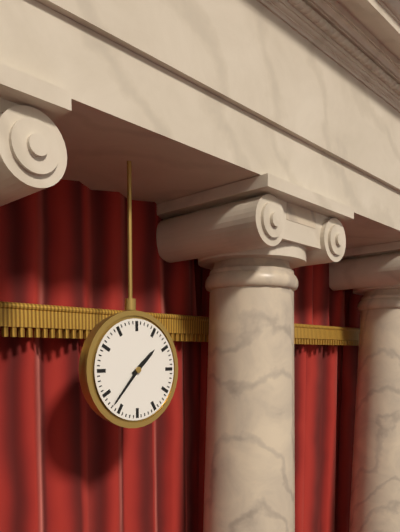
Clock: 1:37
